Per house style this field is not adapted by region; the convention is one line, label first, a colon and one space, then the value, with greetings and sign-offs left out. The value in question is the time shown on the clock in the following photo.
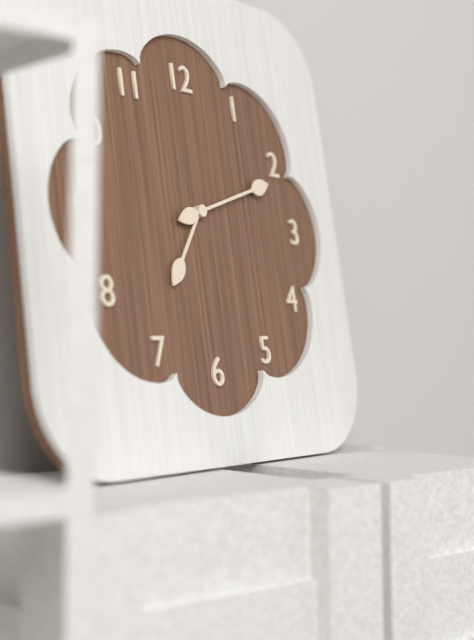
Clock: 7:12
